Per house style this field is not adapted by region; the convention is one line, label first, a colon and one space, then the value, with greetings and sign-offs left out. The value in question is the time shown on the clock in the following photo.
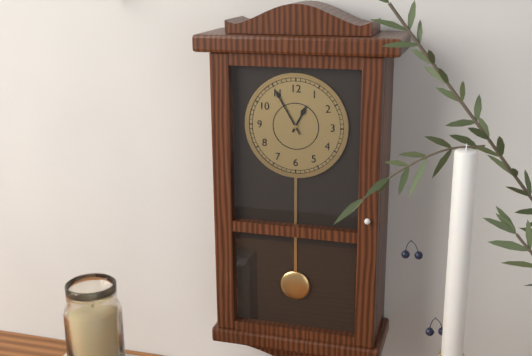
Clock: 12:55
